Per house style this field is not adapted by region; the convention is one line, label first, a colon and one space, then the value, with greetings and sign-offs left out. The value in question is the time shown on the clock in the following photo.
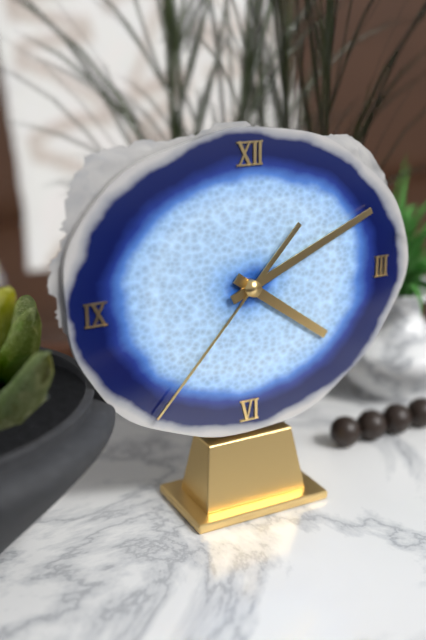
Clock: 4:11:37
